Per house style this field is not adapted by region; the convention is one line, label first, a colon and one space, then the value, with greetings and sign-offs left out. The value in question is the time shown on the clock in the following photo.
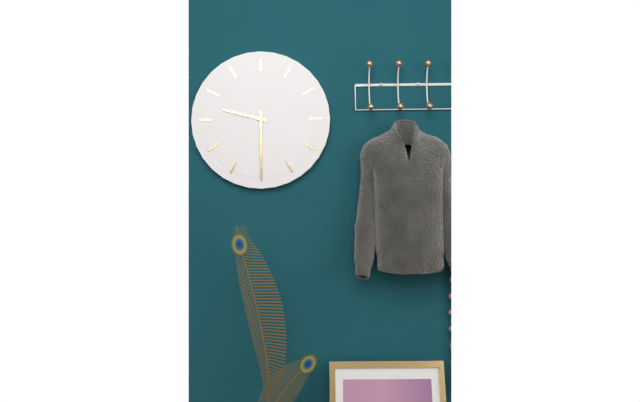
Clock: 9:30
